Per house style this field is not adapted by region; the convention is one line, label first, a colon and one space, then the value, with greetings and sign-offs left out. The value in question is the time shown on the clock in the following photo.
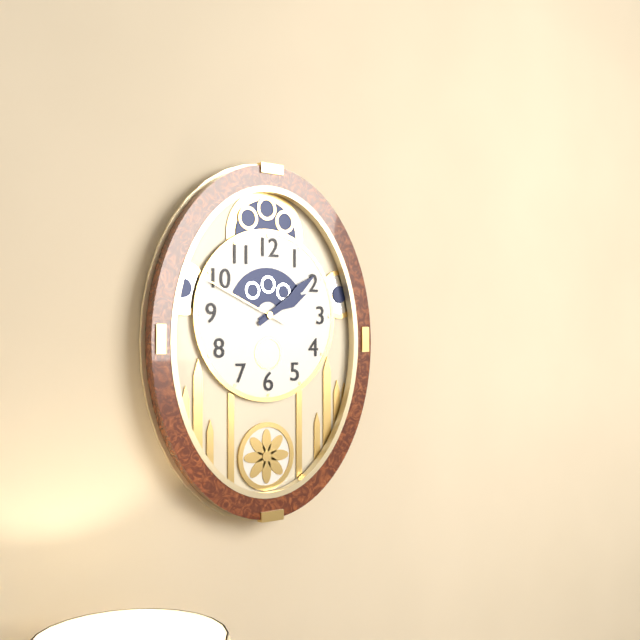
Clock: 2:09:49
